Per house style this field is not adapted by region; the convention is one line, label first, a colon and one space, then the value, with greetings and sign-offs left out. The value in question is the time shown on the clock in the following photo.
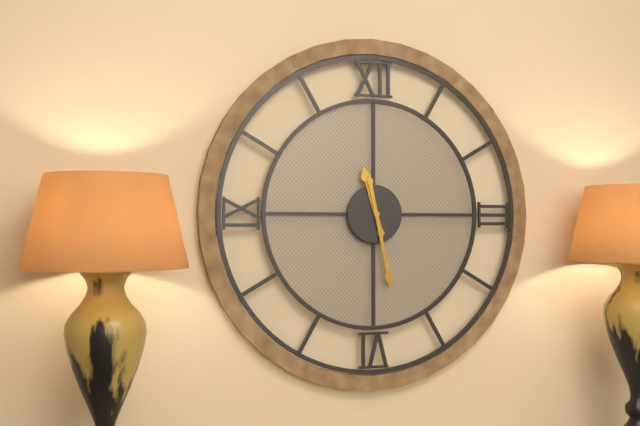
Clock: 11:28
